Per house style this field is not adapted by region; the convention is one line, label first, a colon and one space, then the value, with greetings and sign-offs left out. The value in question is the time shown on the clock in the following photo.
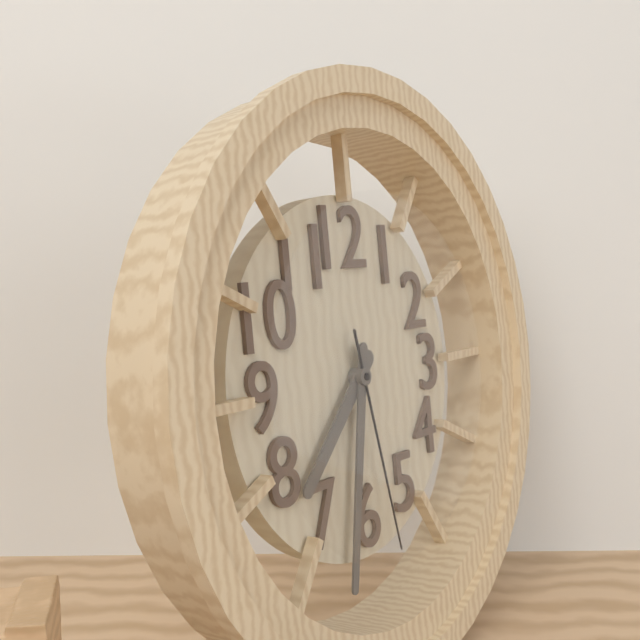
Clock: 7:32:28
